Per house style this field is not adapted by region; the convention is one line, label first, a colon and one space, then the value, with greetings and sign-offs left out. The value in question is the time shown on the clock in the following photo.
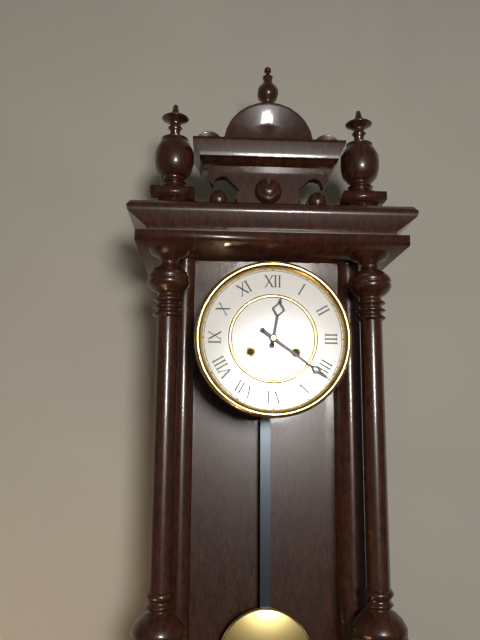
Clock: 12:21
